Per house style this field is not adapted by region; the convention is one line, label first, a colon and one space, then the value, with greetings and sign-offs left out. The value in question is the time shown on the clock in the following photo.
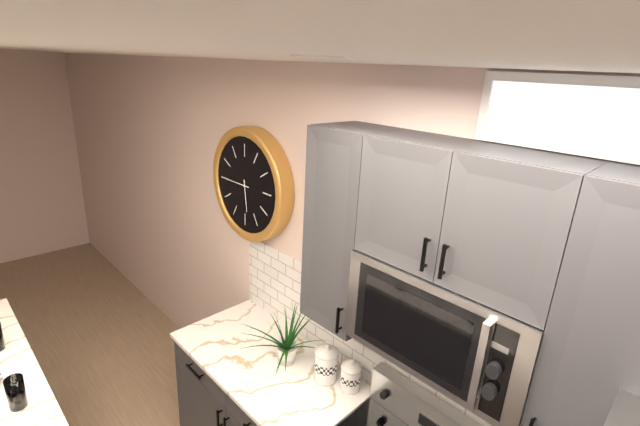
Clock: 5:45
